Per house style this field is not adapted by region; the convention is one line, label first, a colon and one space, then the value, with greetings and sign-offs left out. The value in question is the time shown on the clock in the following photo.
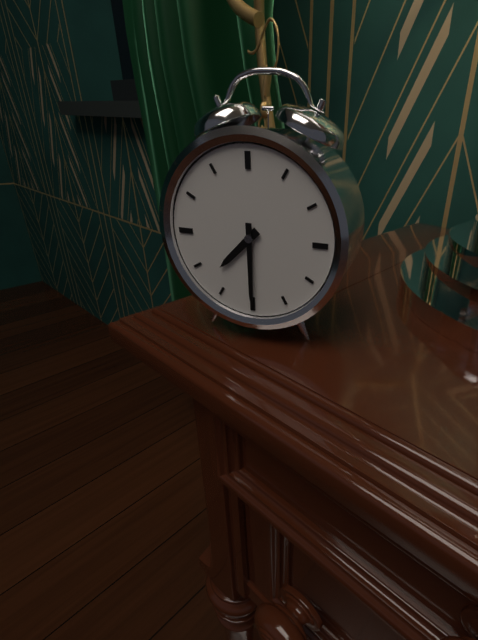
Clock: 7:30
